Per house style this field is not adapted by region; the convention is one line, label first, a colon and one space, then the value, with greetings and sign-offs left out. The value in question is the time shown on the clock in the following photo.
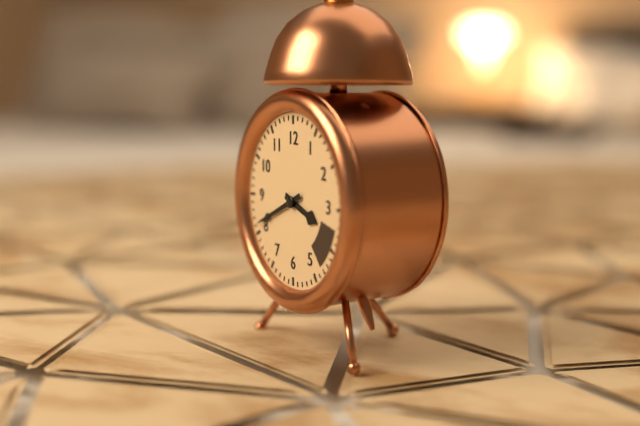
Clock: 3:41
